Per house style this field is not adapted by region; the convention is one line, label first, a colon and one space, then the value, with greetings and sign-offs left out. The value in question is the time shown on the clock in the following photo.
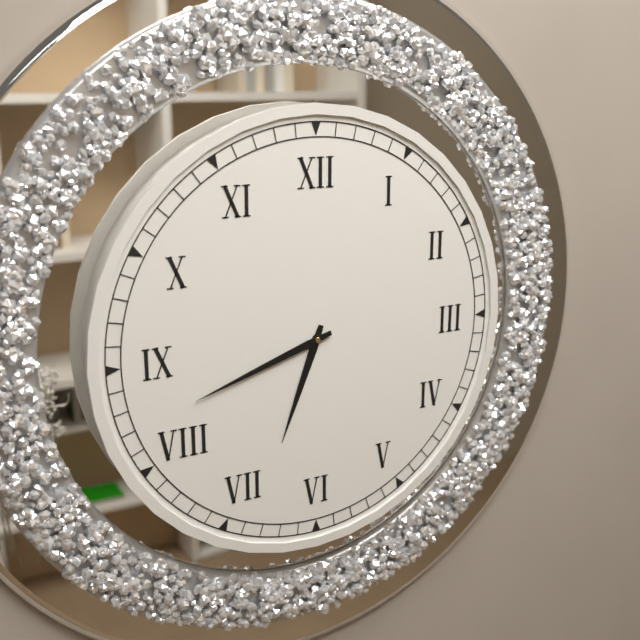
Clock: 6:42
